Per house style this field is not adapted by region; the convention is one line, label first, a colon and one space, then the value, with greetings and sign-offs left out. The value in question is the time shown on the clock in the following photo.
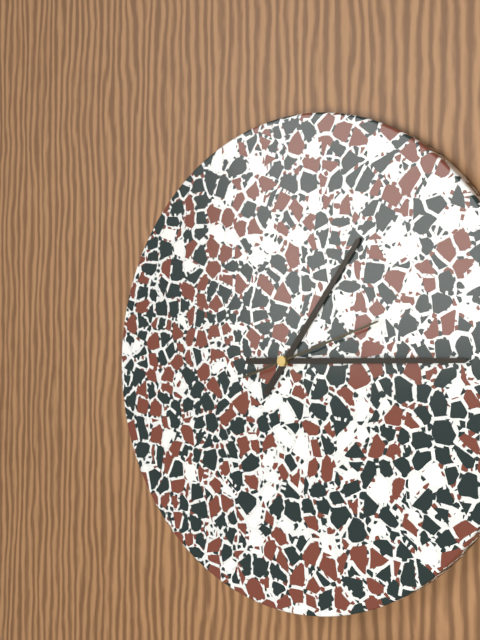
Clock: 1:15:12
